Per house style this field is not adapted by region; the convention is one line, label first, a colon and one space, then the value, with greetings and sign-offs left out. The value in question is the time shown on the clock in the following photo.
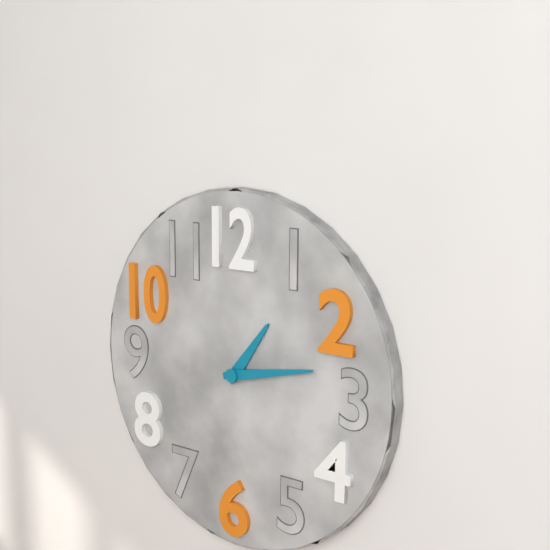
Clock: 1:13
